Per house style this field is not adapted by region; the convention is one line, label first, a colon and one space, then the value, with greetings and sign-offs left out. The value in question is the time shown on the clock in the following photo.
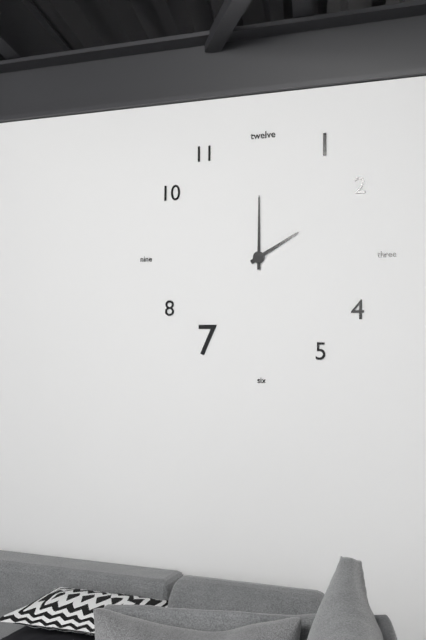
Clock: 2:00
